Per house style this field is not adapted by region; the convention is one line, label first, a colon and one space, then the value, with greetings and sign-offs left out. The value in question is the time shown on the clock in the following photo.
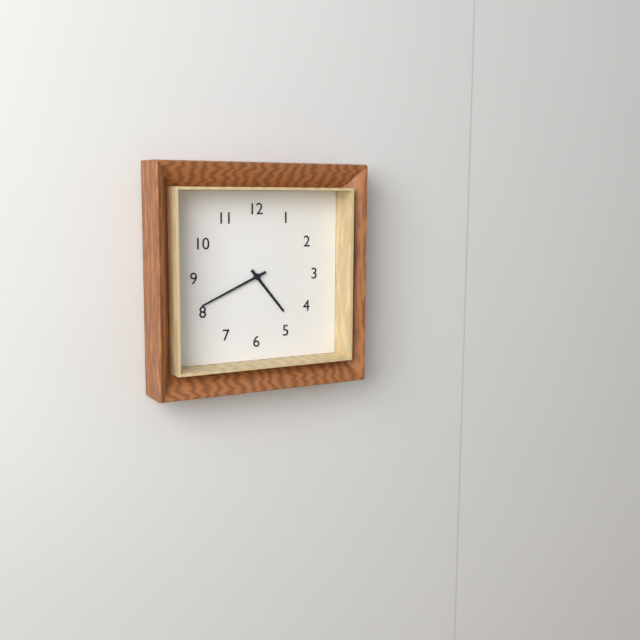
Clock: 4:41
